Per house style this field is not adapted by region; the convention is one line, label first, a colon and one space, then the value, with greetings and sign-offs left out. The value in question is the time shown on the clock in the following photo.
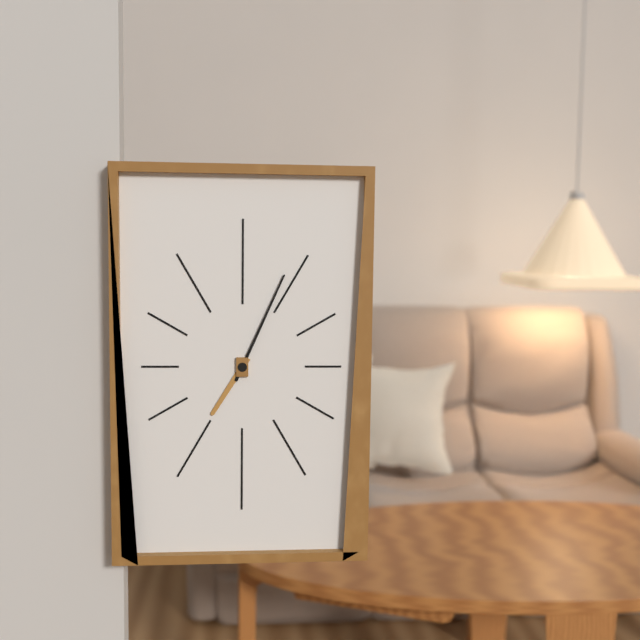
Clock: 7:04
